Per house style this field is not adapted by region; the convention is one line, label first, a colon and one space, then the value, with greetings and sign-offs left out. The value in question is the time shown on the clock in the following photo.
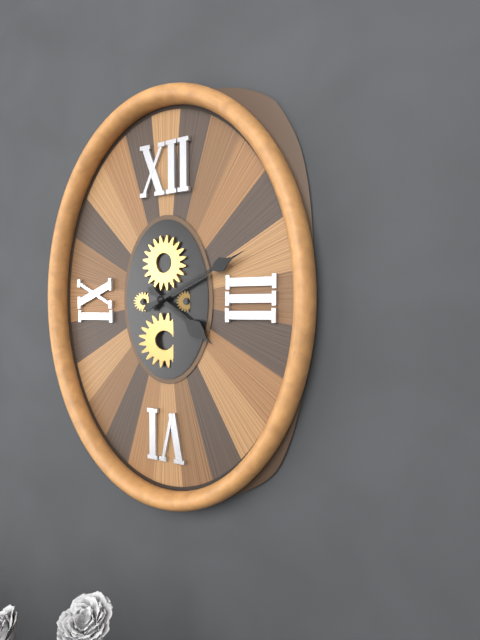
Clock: 4:11
